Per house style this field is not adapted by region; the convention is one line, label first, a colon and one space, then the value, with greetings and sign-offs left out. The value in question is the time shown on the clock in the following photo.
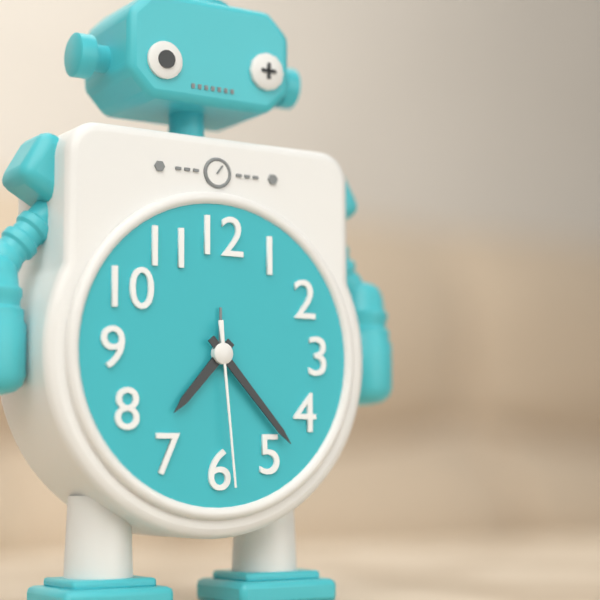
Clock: 7:23:29
